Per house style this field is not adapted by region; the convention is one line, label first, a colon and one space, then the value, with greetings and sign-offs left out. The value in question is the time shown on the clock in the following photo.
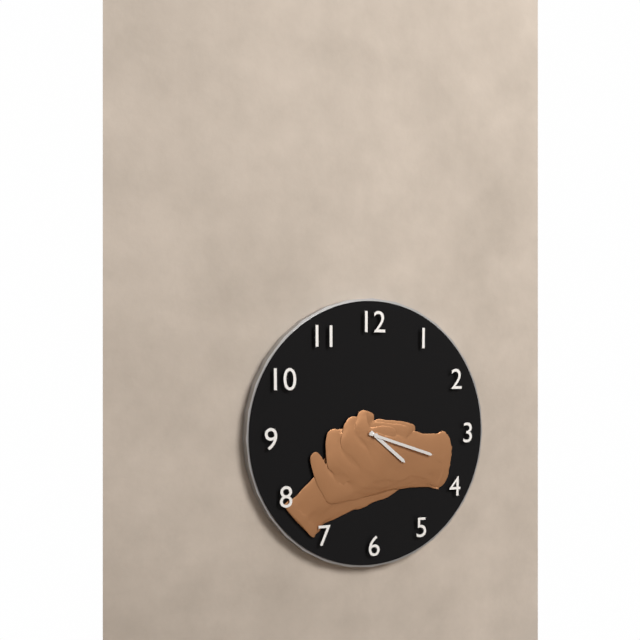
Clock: 4:18
